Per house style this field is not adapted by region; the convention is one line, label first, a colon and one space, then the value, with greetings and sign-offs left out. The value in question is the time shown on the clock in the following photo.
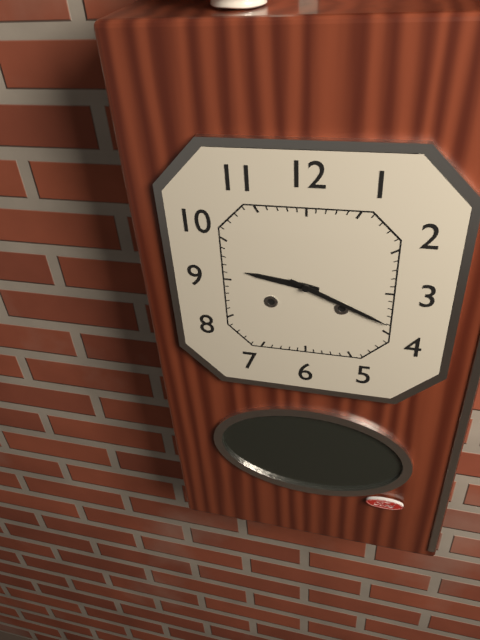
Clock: 9:19
